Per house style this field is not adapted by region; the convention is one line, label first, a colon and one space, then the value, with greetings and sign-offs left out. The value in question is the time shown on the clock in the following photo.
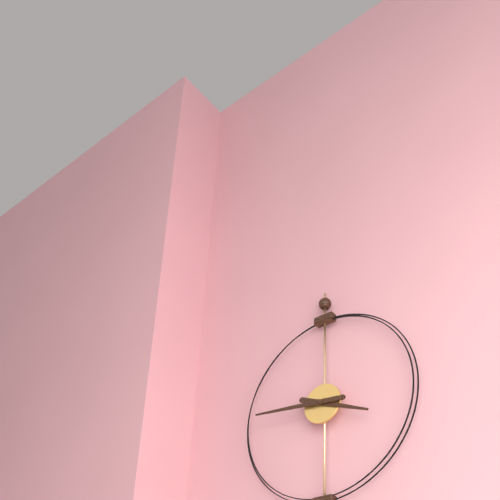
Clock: 3:46
